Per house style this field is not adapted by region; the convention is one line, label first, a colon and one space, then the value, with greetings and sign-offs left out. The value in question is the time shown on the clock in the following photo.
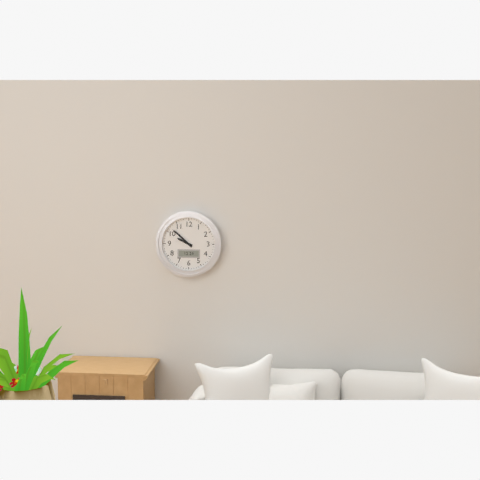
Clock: 9:52
